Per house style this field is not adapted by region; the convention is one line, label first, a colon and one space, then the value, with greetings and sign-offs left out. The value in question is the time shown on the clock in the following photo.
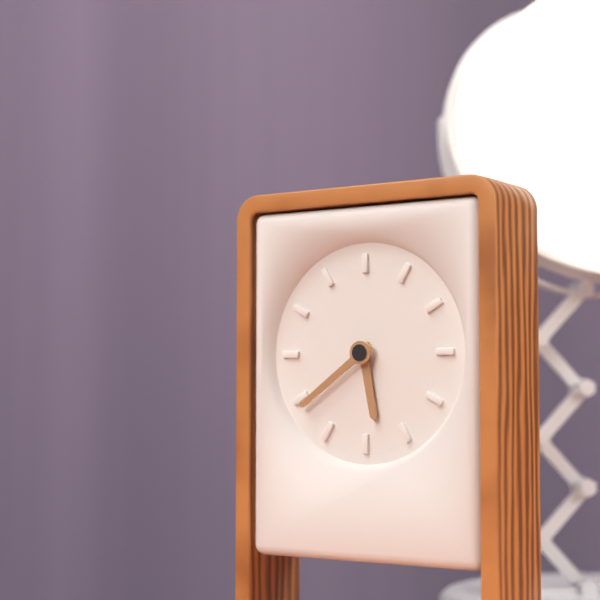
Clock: 5:39
